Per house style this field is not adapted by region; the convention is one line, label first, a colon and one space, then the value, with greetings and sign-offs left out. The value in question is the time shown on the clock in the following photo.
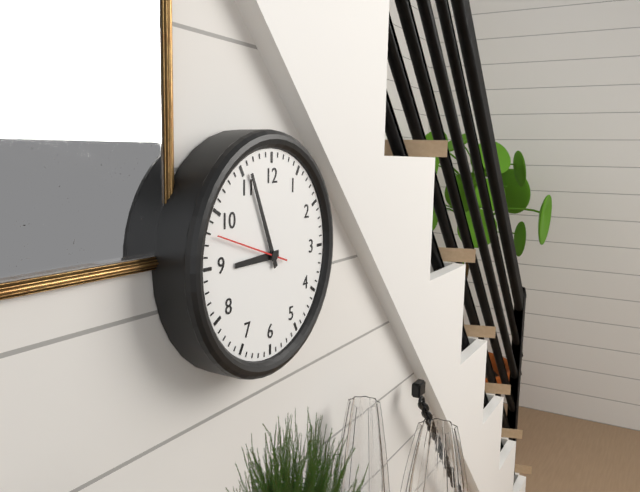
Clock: 8:56
